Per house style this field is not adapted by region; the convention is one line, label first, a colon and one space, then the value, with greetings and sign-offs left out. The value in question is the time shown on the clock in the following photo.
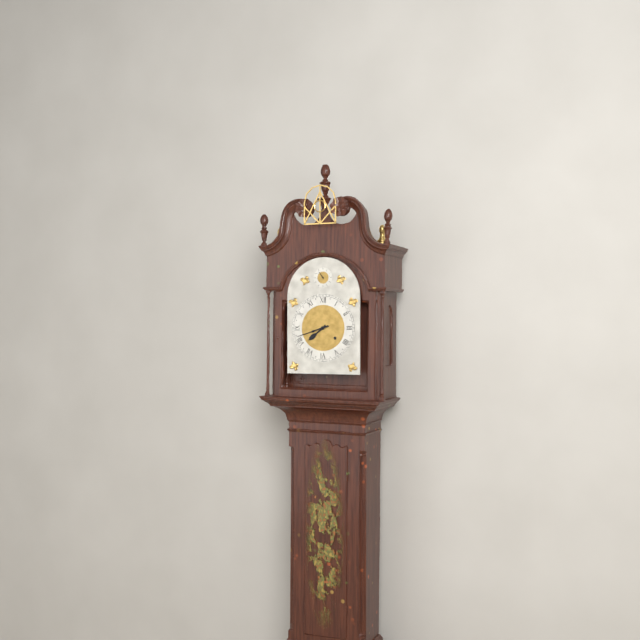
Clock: 7:42
